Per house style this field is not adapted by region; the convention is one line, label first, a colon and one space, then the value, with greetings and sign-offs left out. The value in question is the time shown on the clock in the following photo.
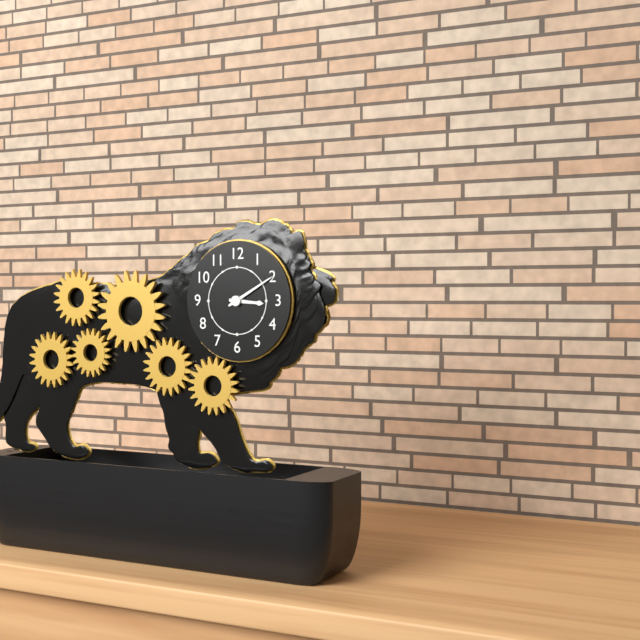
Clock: 3:10
